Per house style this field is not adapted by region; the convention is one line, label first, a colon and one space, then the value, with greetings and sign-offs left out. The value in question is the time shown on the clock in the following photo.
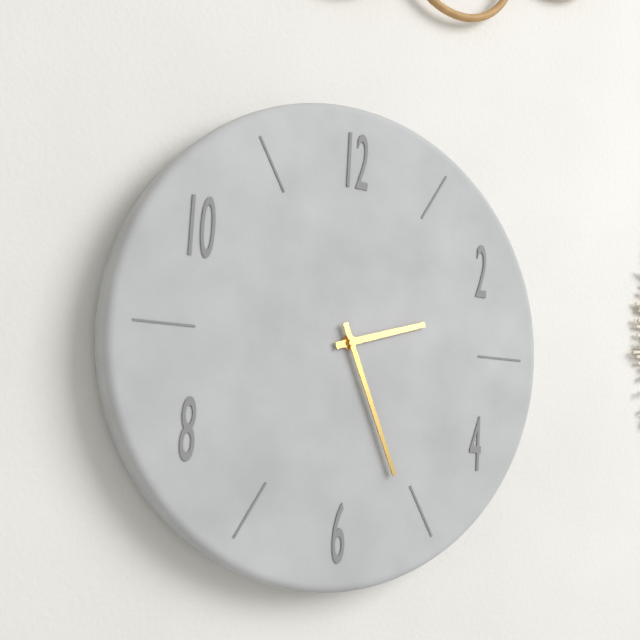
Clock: 2:26
